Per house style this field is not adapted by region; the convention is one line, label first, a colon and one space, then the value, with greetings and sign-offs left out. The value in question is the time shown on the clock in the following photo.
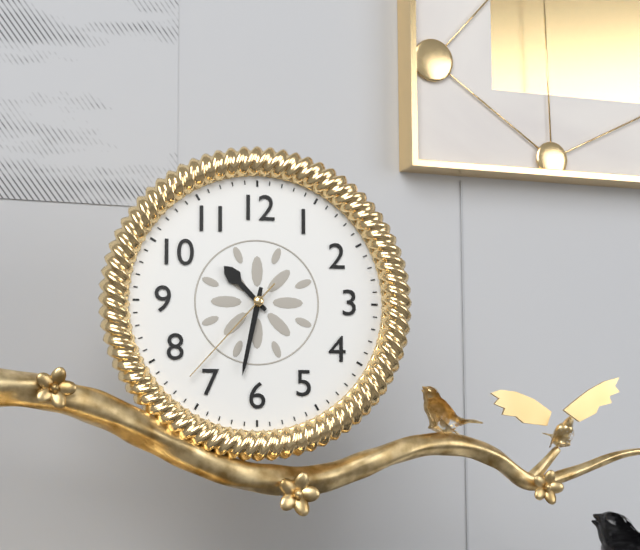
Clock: 10:32:37
